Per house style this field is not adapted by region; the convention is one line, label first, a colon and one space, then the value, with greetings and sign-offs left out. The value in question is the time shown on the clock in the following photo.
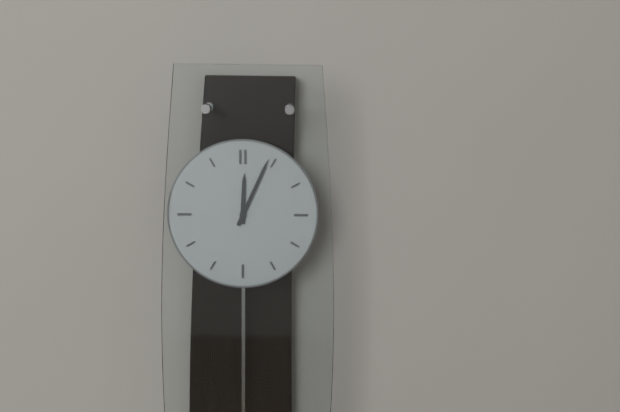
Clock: 12:04
